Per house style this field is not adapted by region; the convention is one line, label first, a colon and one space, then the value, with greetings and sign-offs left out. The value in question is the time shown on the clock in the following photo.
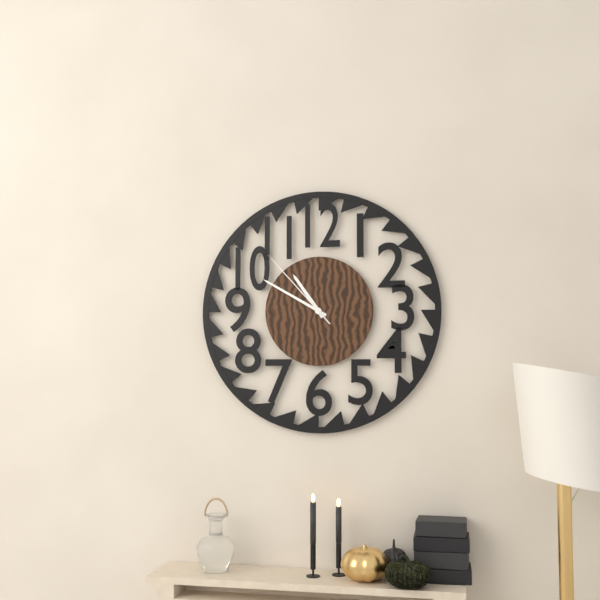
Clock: 10:50:53
